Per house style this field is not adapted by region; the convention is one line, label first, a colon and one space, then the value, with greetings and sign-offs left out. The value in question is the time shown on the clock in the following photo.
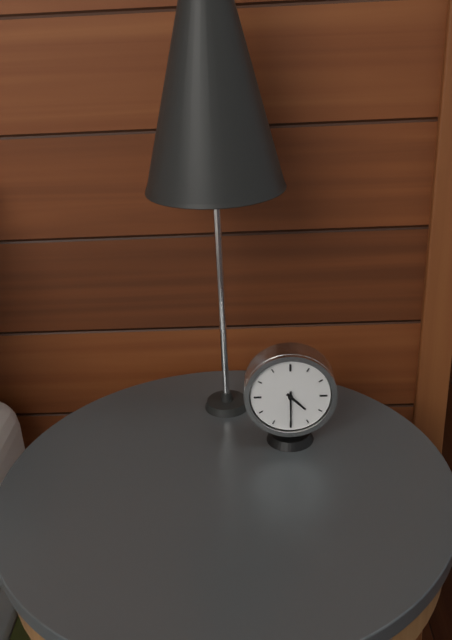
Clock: 4:30
